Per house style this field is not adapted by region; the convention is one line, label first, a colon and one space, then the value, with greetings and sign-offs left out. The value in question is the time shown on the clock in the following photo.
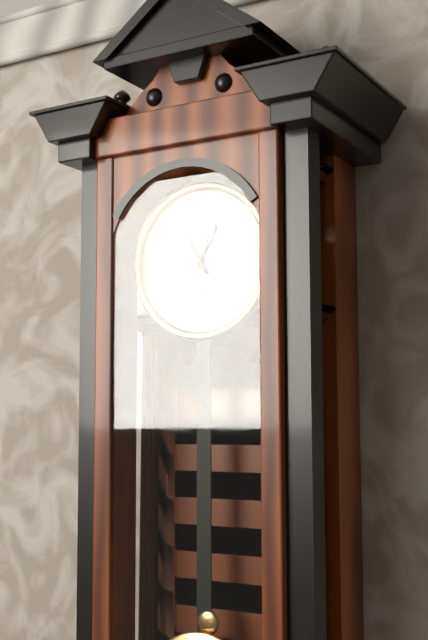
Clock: 12:55
